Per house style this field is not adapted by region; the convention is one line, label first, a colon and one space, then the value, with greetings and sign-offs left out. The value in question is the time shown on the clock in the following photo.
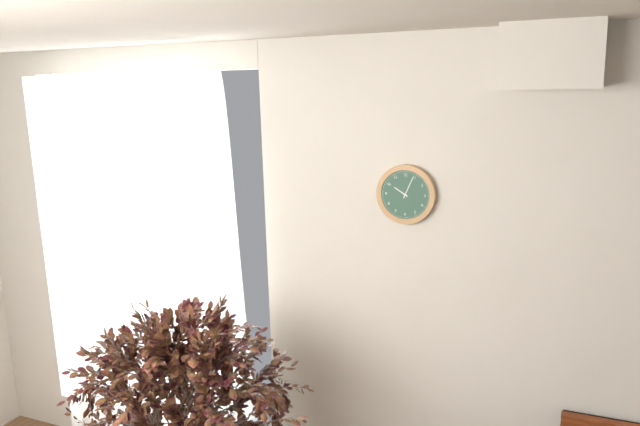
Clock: 10:04
